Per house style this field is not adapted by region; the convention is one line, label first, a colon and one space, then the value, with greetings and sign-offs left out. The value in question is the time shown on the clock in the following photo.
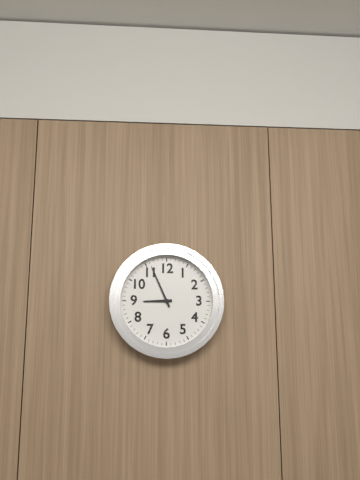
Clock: 8:56
